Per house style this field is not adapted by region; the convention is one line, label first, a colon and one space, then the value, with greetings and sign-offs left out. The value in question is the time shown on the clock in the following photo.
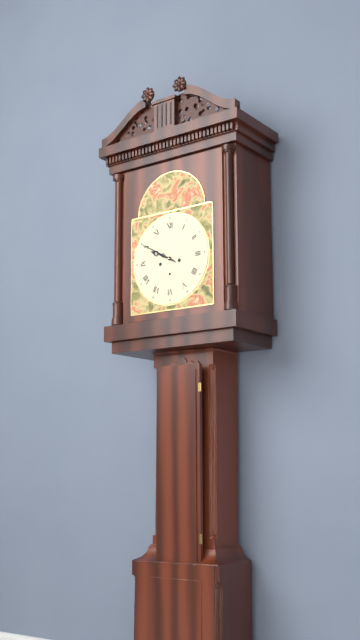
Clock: 9:50
